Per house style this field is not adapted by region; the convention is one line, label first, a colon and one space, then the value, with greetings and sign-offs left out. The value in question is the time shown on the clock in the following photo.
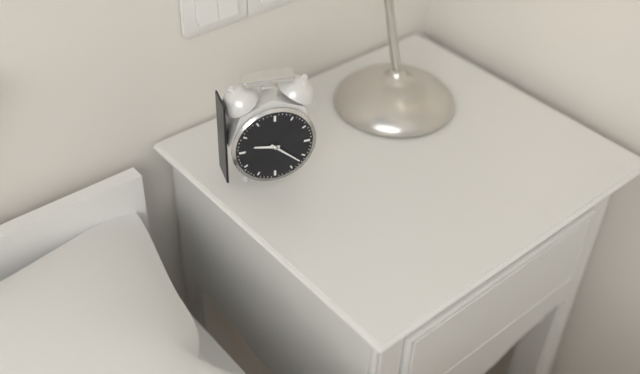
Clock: 9:22
